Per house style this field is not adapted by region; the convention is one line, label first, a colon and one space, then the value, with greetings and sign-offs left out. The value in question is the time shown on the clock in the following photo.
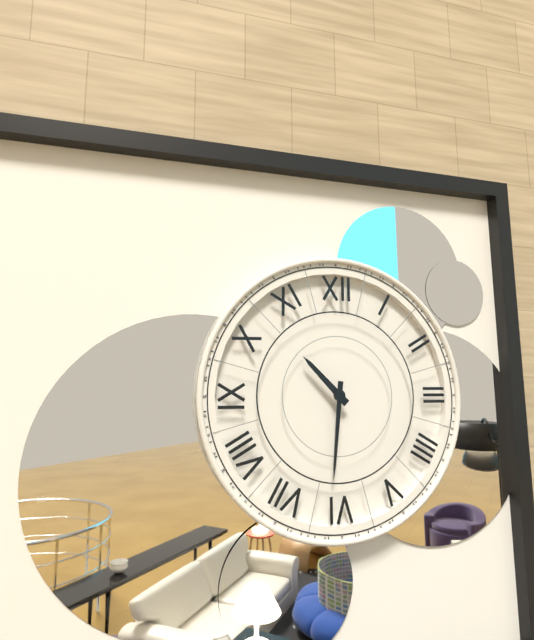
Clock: 10:31
